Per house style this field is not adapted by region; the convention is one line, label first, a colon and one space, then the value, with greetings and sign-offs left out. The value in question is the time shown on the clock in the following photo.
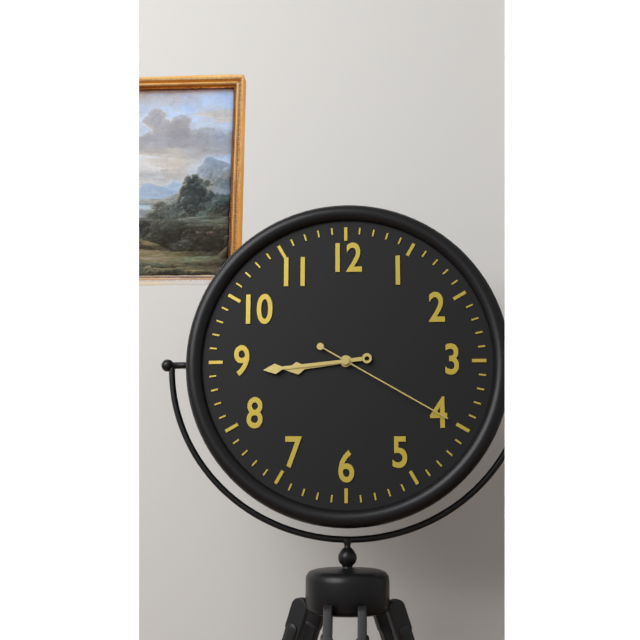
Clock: 8:44:20
